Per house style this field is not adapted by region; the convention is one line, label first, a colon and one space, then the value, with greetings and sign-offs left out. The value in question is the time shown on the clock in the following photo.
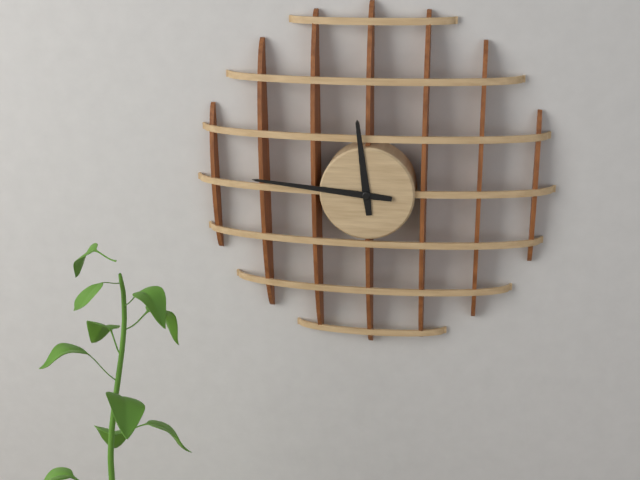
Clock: 11:46
